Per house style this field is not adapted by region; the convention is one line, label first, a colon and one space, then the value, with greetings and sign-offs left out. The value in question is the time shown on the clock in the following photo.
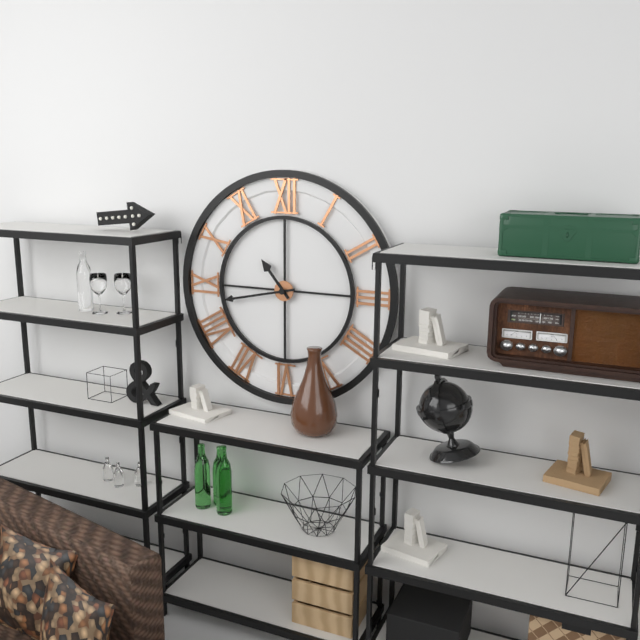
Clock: 10:43
